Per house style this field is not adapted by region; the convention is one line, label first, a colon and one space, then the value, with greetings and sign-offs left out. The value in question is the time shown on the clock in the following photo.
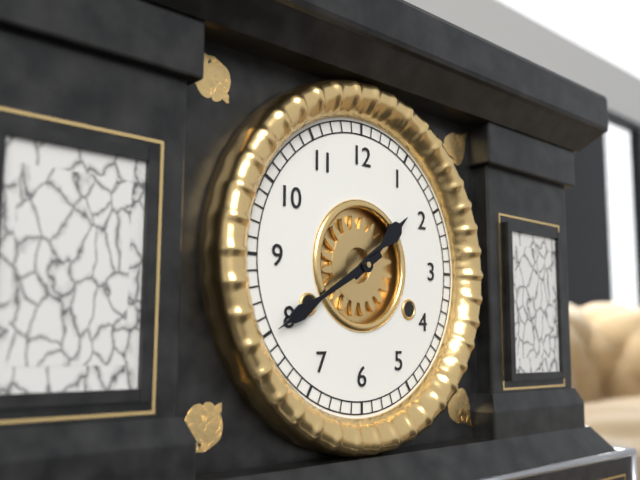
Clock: 1:40
